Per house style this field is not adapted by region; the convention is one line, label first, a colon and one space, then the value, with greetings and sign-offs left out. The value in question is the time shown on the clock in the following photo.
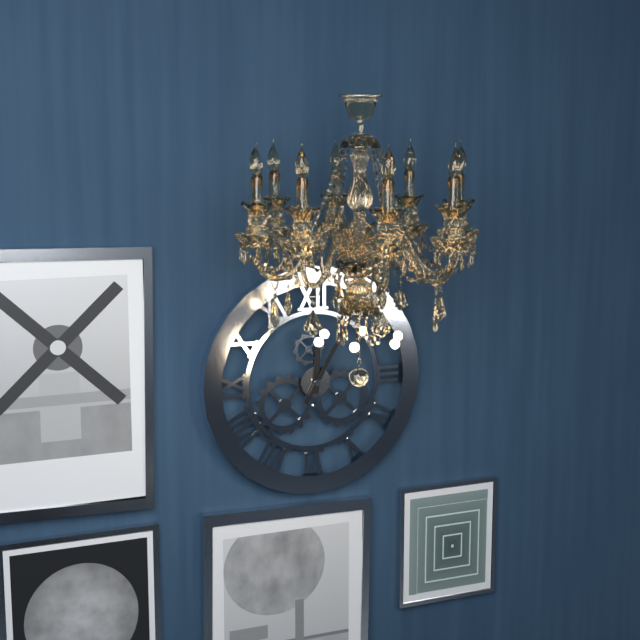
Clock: 12:05
